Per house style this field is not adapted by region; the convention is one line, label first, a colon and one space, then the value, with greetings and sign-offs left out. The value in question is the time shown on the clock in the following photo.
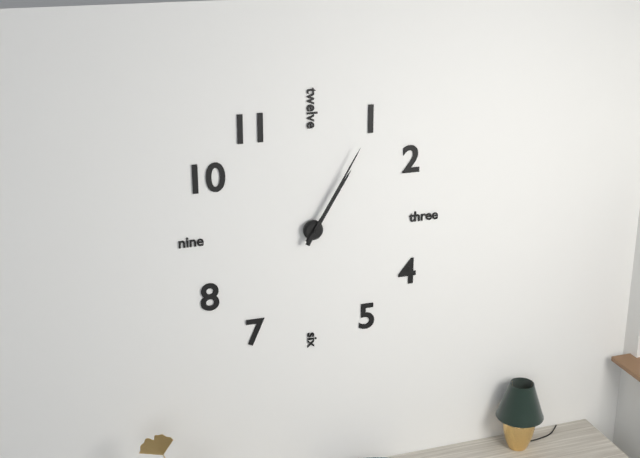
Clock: 1:05
